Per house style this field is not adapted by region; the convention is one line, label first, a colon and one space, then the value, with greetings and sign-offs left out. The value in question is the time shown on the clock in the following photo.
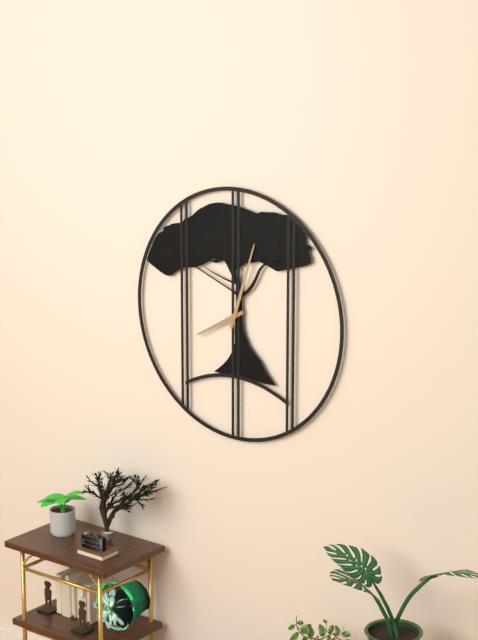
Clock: 8:03
